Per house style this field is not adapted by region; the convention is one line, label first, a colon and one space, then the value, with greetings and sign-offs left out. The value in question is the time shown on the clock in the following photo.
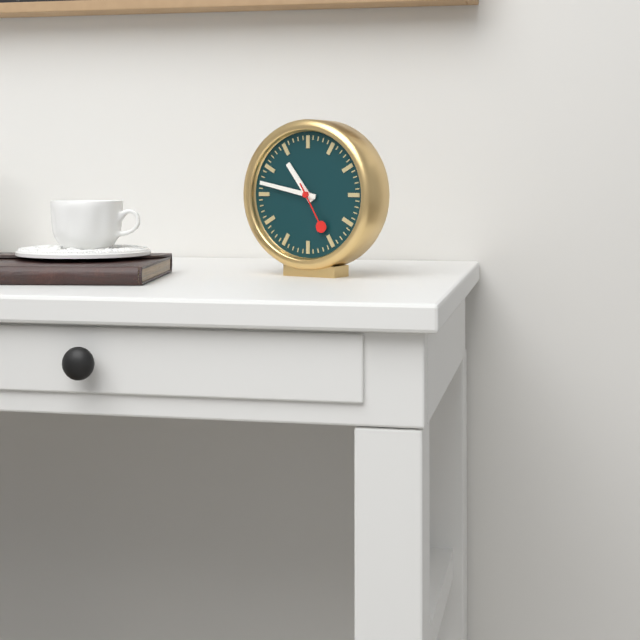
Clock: 10:47
